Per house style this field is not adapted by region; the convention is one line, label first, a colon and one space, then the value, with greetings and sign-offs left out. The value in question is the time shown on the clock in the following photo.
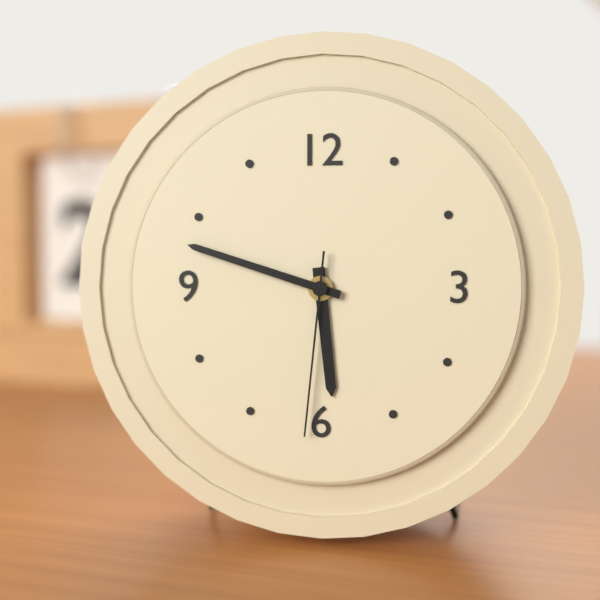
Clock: 5:48:31
